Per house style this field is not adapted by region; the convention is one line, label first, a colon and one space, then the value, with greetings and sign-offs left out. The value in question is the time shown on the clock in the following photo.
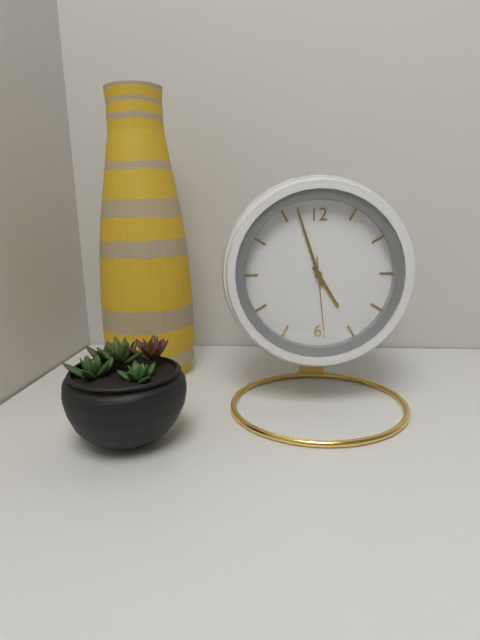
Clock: 4:57:29
